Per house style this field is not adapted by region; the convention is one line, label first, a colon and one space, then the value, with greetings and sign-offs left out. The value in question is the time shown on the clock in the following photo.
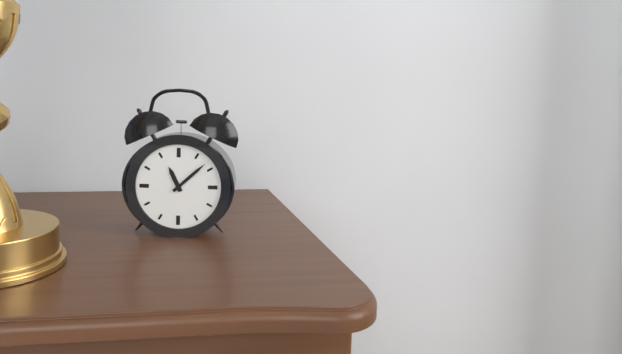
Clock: 11:08
